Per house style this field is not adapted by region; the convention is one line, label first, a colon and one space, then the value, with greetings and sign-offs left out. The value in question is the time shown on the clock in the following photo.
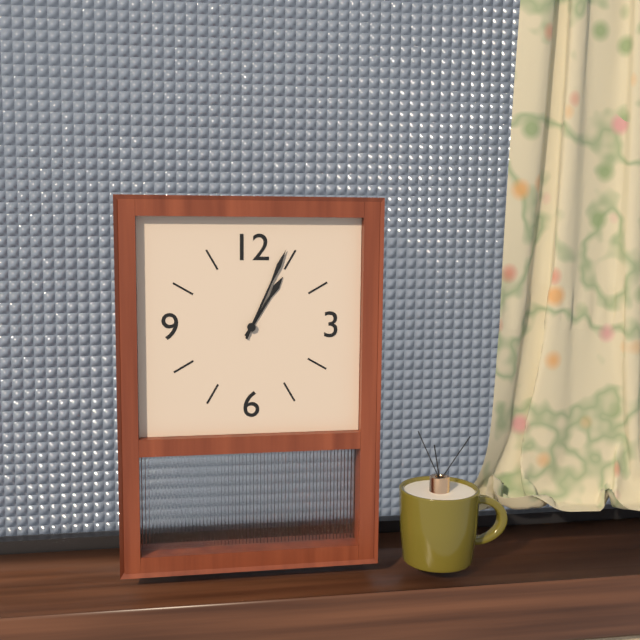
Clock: 1:04
